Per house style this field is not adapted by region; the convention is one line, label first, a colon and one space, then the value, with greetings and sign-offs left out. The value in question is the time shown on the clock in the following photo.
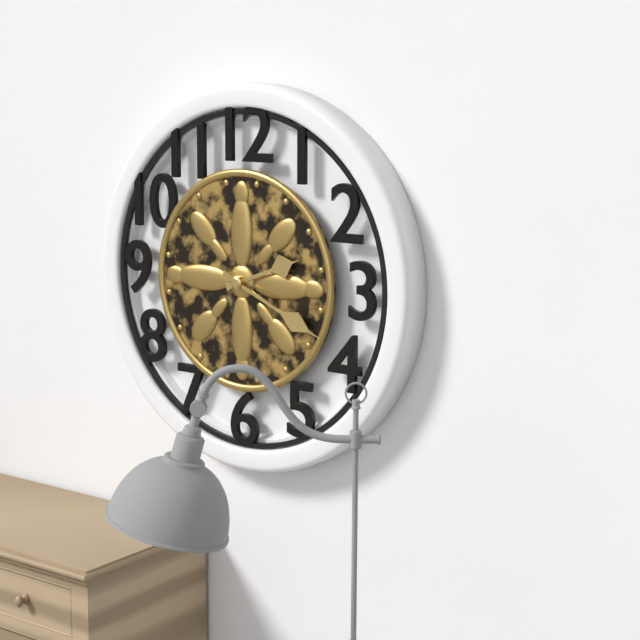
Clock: 2:19
